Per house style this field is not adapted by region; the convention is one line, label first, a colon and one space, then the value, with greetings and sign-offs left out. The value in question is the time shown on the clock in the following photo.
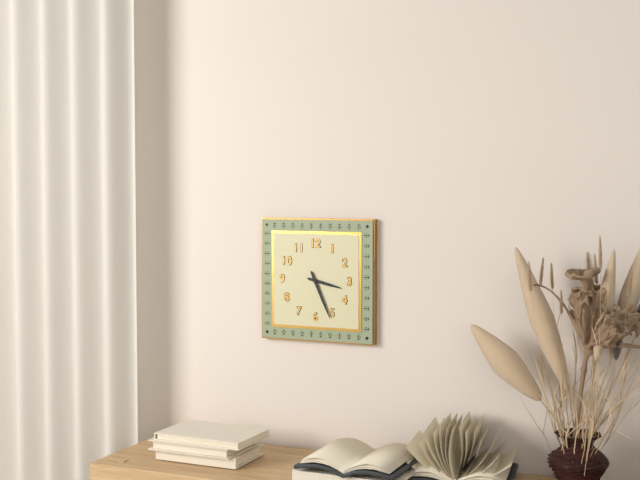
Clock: 3:26
